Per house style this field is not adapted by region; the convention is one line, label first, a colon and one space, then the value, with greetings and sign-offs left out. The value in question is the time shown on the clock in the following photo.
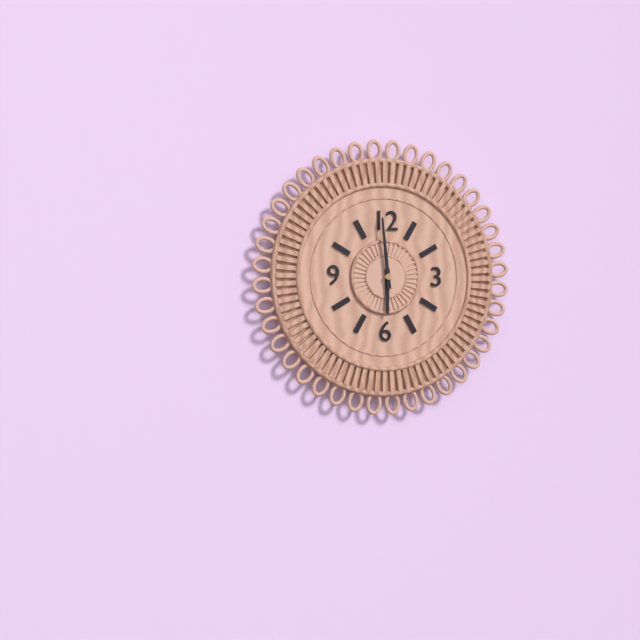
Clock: 5:59
